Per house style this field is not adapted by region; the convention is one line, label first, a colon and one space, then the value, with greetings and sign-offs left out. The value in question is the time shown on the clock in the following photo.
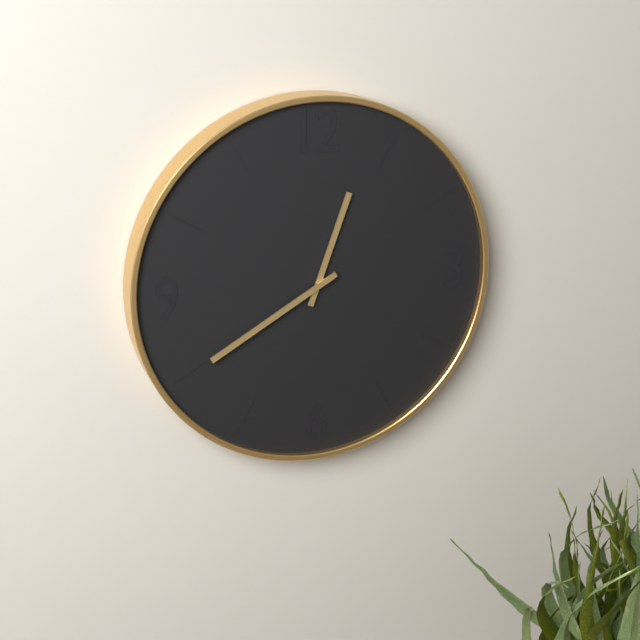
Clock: 12:40
